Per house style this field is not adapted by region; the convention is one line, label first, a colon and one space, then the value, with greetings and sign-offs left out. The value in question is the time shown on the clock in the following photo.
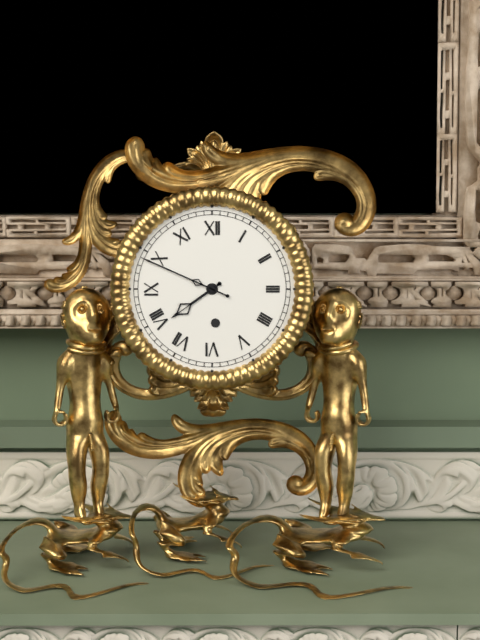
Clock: 7:49
